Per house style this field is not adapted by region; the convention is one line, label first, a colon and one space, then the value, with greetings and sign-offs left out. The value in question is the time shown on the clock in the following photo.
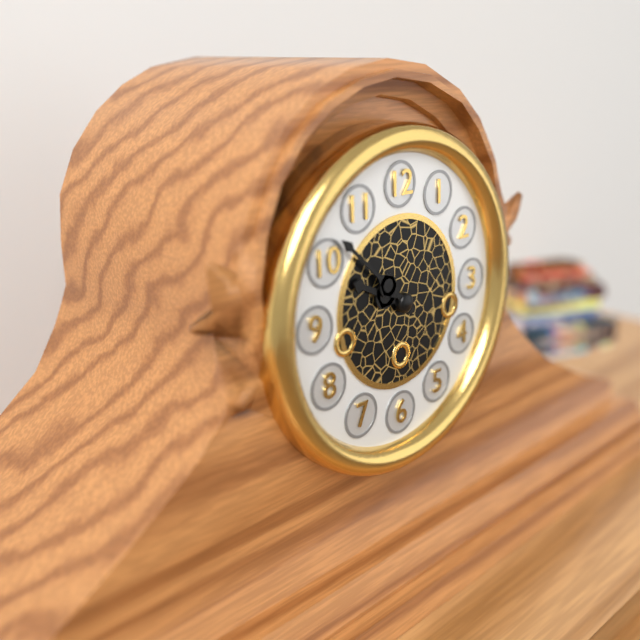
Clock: 9:52
